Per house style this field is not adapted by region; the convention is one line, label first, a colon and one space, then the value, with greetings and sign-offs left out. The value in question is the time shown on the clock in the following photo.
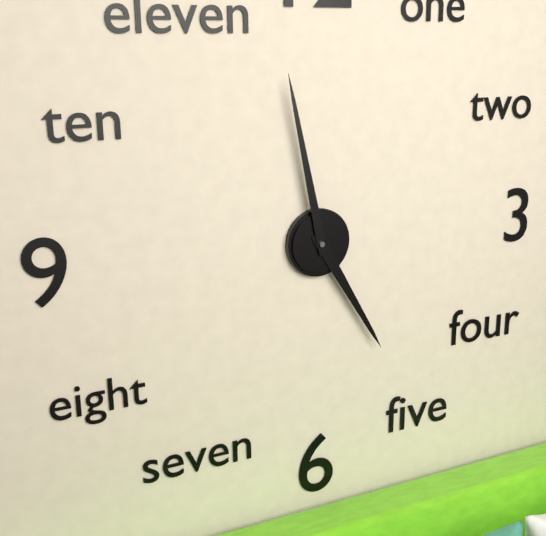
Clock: 4:58
